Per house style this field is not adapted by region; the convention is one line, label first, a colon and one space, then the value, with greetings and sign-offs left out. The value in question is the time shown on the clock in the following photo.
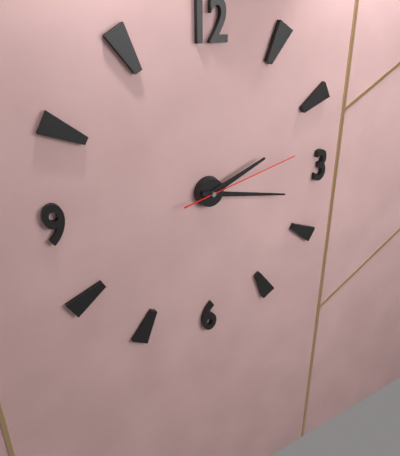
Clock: 2:17:13
